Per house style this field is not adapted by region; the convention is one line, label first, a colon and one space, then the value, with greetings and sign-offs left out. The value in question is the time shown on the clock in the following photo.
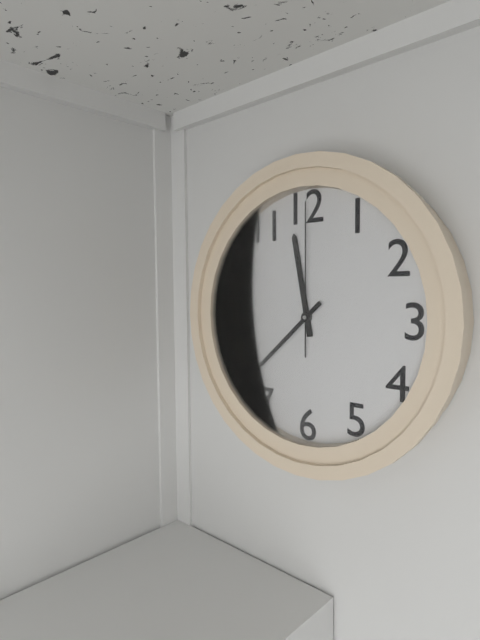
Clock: 11:38:00
